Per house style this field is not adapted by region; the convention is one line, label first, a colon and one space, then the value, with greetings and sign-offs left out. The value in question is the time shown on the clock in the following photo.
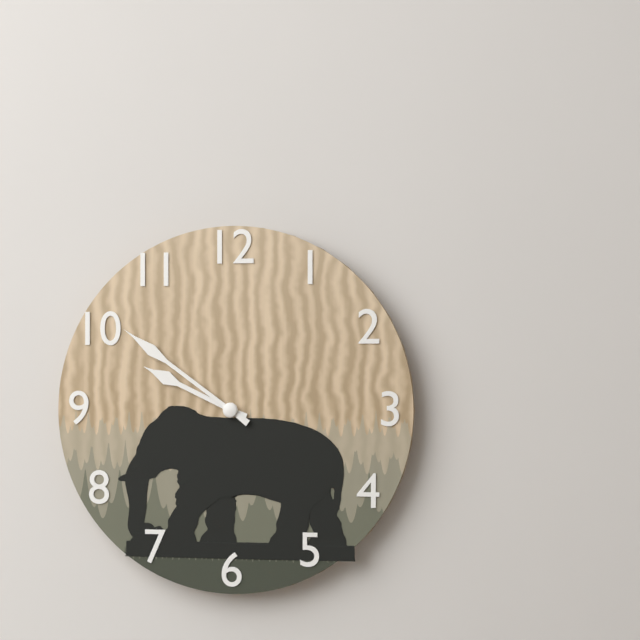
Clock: 9:51
